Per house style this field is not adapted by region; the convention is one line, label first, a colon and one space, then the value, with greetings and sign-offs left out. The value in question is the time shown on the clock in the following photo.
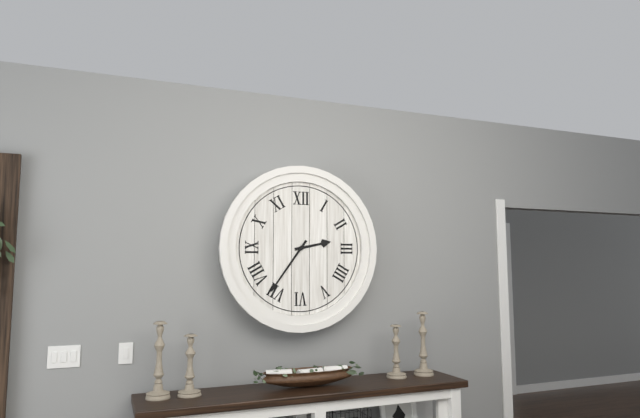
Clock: 2:36
